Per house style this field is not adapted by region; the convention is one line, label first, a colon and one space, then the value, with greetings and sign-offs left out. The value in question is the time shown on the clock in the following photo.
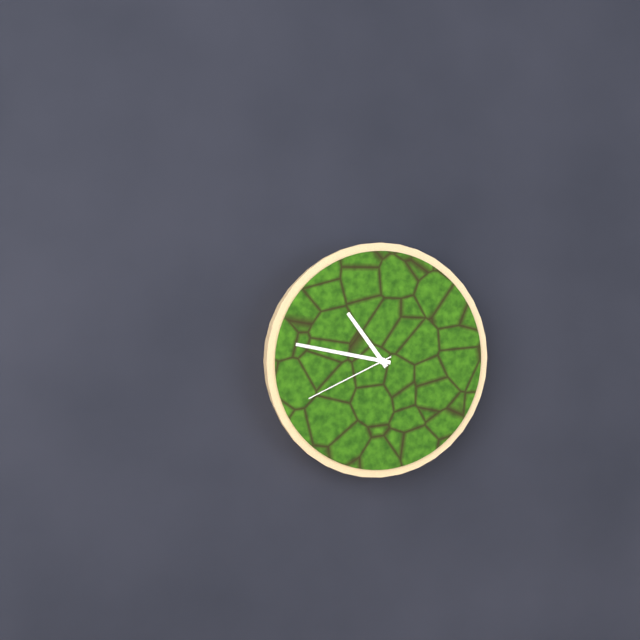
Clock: 10:47:41
